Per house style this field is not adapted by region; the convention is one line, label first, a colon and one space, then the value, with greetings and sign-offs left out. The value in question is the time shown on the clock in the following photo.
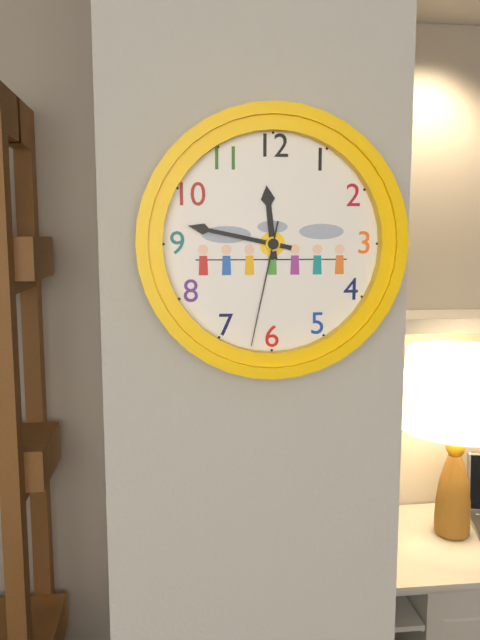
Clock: 11:47:32
